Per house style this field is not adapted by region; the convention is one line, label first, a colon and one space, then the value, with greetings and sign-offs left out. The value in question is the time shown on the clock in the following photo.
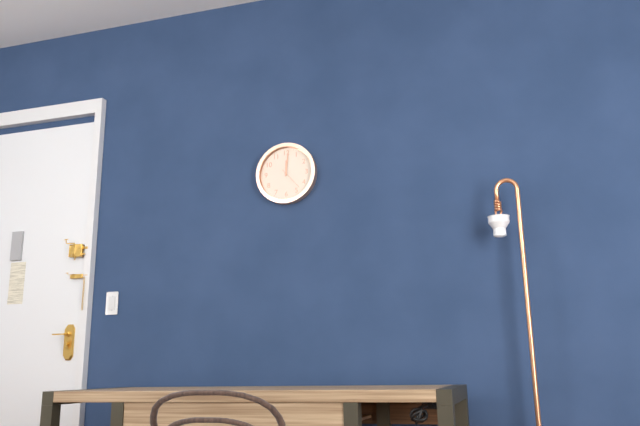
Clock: 12:01
